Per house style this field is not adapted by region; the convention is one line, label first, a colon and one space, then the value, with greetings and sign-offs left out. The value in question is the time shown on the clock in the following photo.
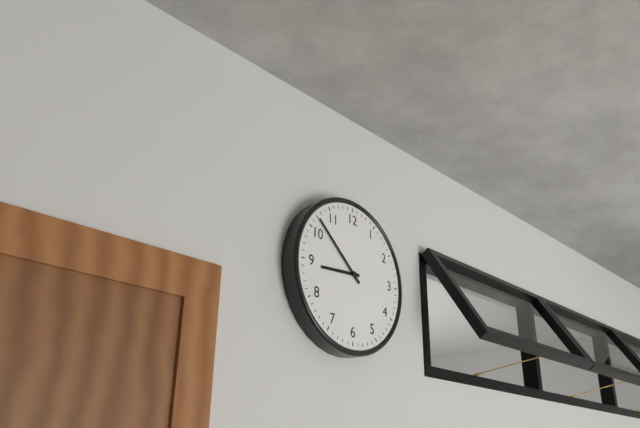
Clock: 8:52
